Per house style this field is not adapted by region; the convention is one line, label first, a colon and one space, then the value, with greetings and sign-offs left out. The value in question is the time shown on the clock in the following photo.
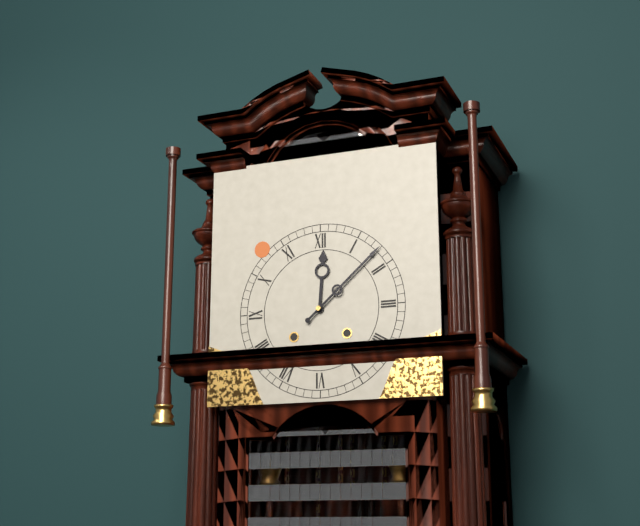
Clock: 12:08
